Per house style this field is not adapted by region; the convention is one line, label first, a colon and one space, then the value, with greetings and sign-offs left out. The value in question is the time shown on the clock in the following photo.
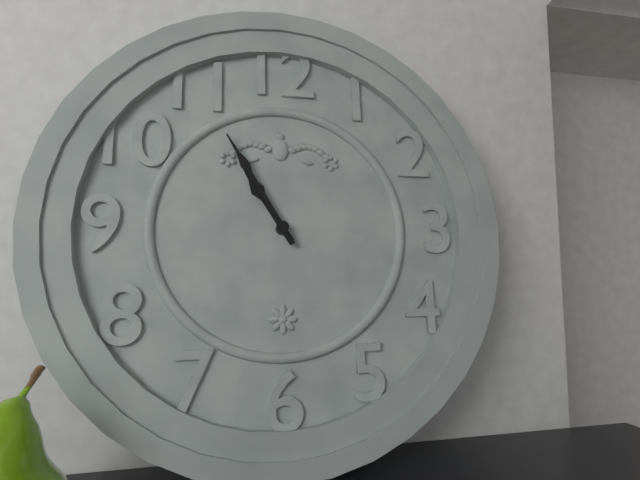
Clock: 10:55
